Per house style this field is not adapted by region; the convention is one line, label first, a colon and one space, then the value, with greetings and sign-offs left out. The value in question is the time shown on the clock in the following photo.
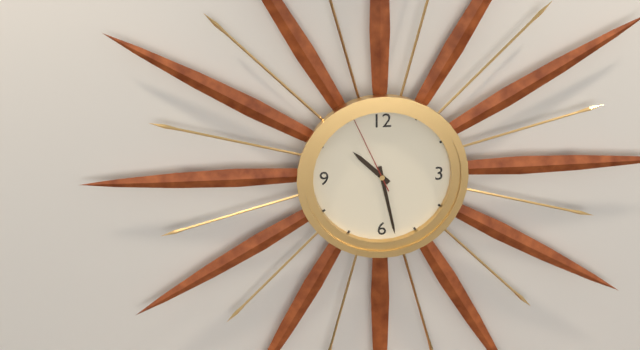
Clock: 10:28:56
